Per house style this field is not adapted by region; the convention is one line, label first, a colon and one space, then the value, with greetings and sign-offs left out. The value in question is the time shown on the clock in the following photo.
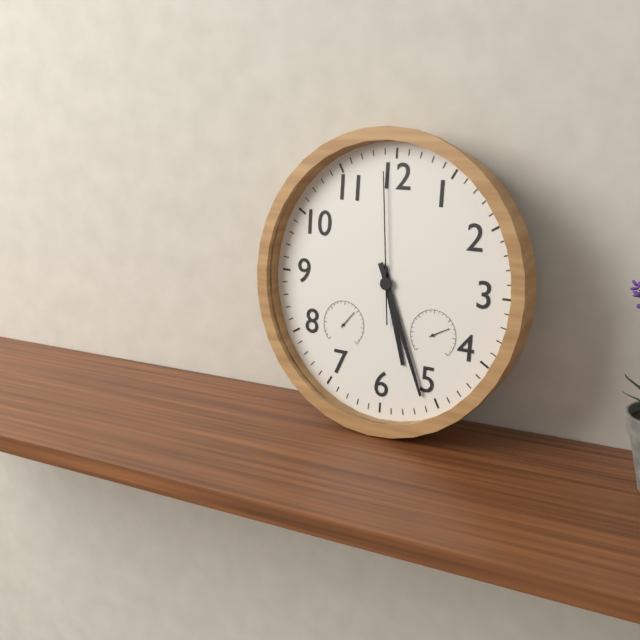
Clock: 5:26:59
